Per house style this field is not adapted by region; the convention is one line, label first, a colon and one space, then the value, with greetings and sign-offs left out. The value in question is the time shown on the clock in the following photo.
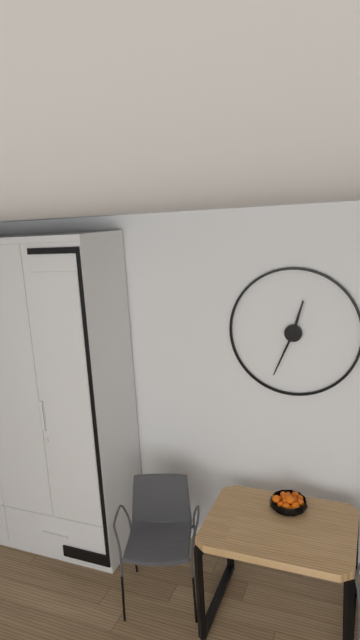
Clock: 12:34
